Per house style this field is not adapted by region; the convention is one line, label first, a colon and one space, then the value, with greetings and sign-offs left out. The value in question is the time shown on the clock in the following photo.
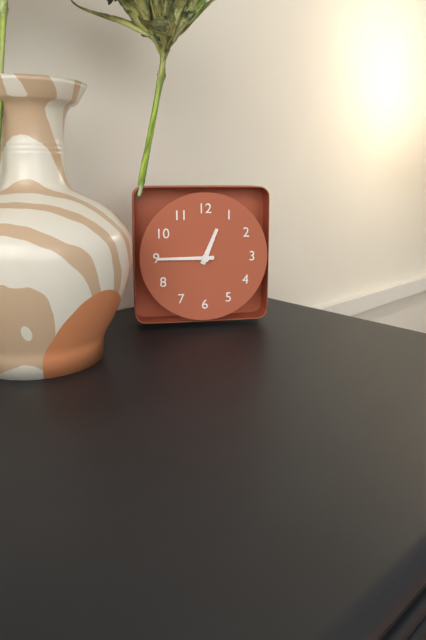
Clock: 12:45
